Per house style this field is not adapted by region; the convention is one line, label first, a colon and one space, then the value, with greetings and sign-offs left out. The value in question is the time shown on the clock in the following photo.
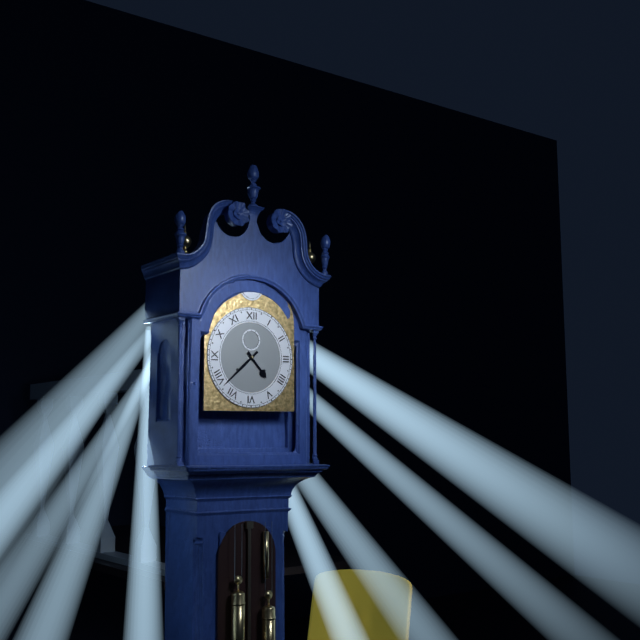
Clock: 4:38
